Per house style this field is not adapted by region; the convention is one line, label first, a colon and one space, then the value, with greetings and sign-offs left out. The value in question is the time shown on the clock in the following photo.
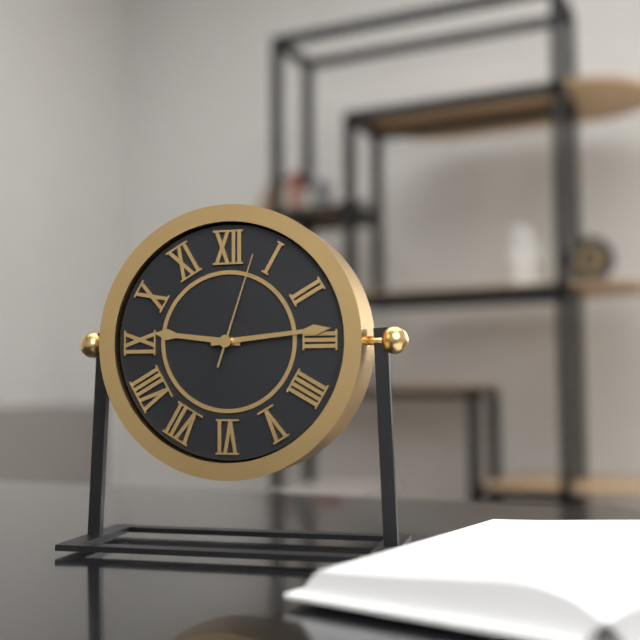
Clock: 9:14:03
